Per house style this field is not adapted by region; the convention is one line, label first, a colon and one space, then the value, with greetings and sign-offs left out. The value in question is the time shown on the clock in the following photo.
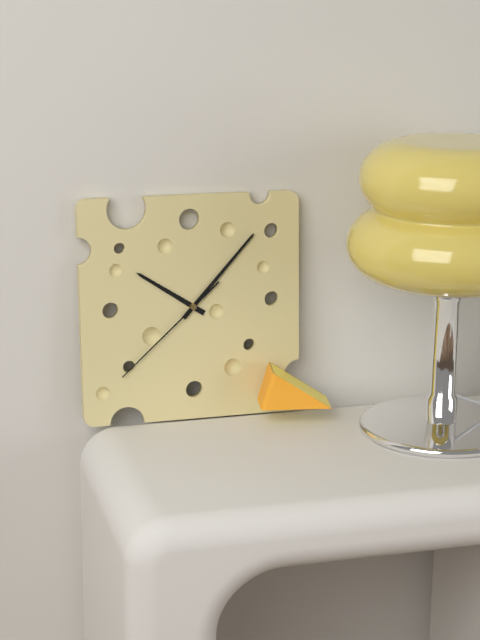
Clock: 10:07:38
